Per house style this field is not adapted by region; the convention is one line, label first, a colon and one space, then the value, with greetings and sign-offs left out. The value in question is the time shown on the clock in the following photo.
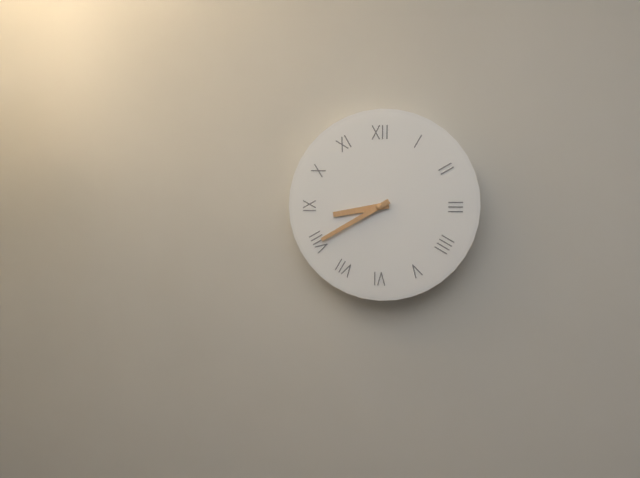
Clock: 8:40
